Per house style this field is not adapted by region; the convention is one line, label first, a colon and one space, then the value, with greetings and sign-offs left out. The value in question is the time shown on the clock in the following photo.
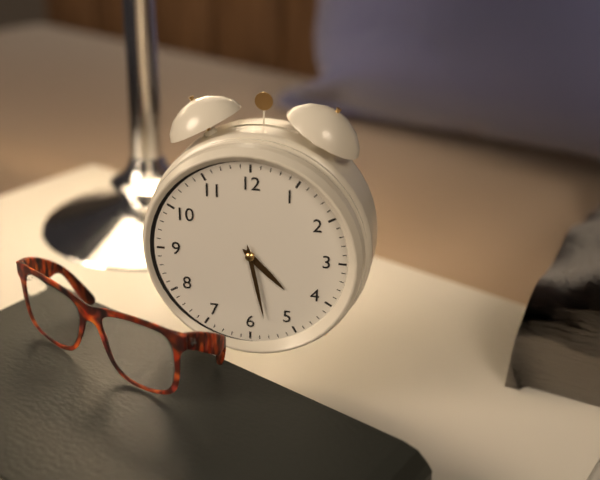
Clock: 4:28
